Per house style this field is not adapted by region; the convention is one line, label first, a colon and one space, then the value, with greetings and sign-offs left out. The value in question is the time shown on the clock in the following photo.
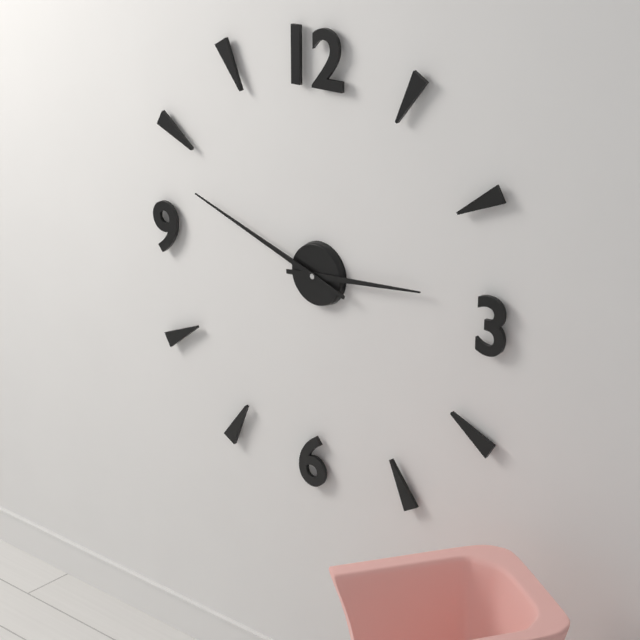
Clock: 2:48
